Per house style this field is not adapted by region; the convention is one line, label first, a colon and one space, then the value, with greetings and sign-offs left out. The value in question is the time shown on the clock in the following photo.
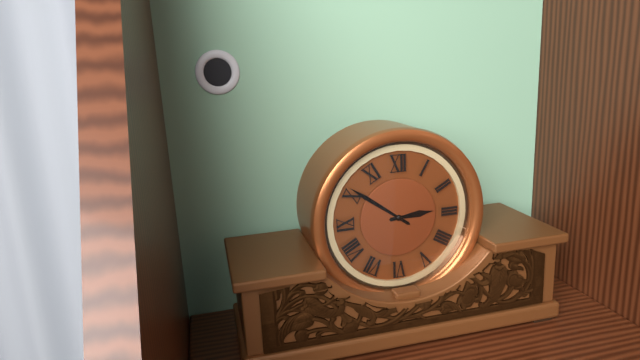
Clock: 2:51
